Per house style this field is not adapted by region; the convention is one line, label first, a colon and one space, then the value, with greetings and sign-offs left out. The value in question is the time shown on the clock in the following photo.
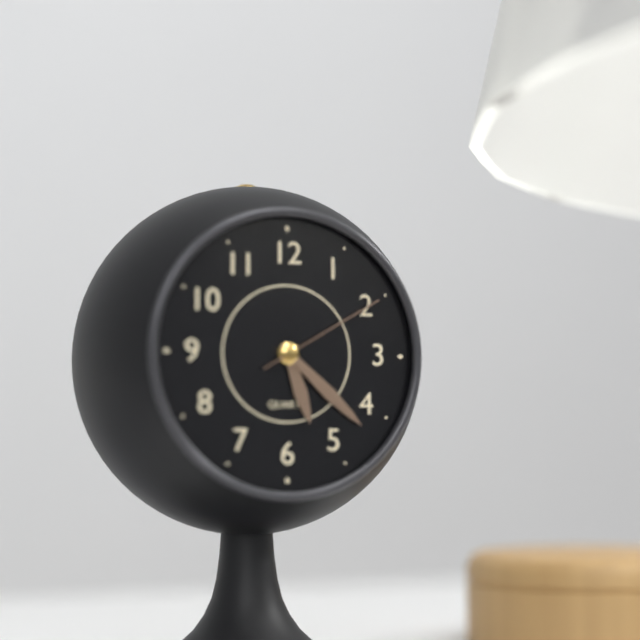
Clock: 5:22:10
